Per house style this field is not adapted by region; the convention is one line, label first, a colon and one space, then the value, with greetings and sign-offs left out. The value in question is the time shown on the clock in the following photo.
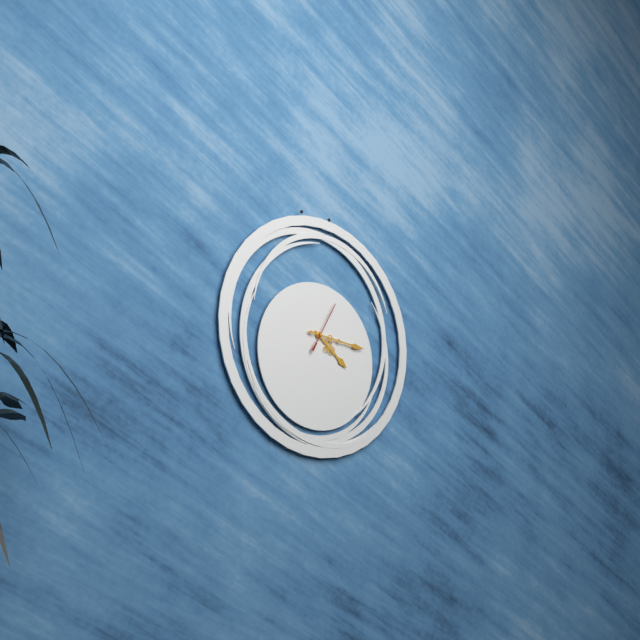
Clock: 4:16
